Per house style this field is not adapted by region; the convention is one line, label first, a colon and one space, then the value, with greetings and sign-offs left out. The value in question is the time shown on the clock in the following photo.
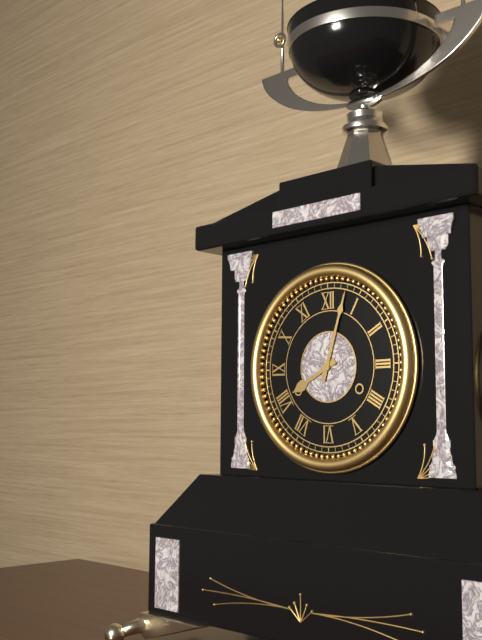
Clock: 8:03
